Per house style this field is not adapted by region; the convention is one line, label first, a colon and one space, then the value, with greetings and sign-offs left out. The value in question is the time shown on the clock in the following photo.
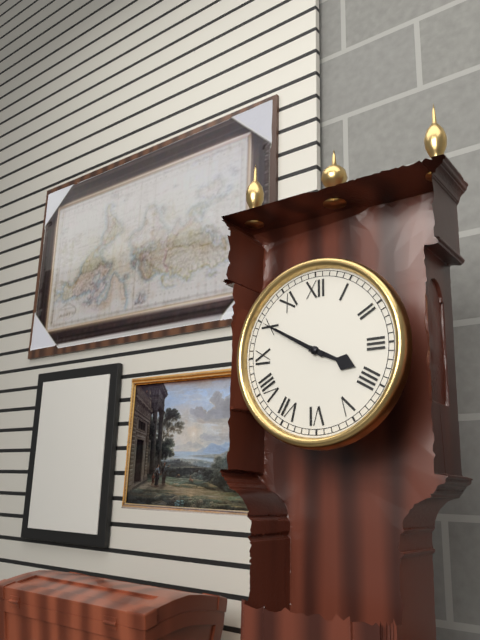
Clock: 3:50
